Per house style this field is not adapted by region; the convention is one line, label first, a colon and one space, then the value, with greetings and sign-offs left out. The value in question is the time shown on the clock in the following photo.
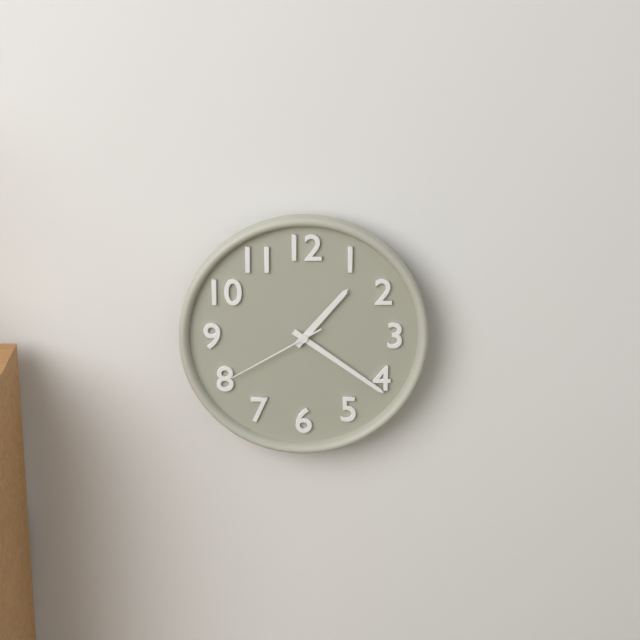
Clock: 1:21:40
